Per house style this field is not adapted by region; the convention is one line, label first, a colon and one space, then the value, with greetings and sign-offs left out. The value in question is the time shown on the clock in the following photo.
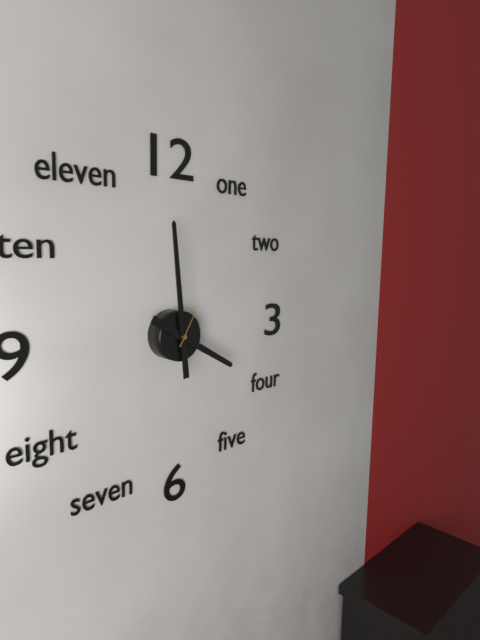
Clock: 3:59
